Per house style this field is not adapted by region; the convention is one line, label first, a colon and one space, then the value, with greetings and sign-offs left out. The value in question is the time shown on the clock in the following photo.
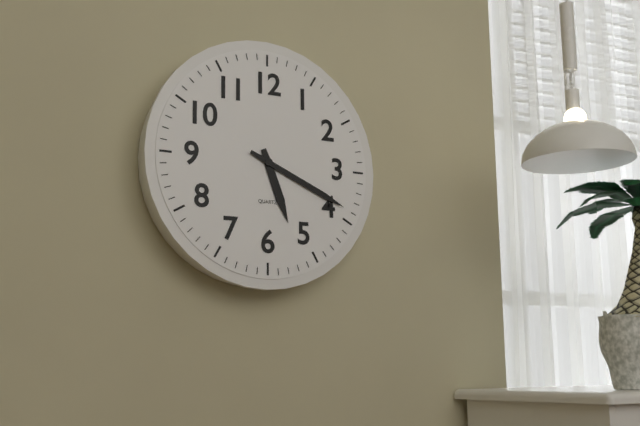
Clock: 5:19
